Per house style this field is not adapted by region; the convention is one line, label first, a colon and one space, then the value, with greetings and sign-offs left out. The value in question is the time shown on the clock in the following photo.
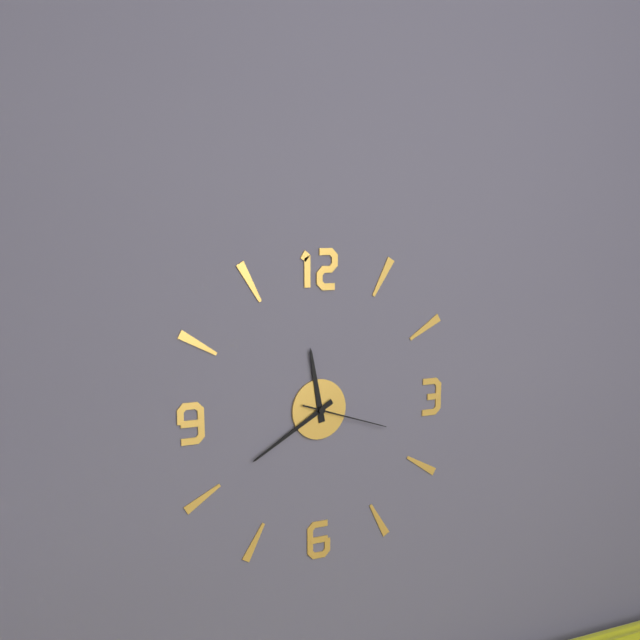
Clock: 11:40:18
